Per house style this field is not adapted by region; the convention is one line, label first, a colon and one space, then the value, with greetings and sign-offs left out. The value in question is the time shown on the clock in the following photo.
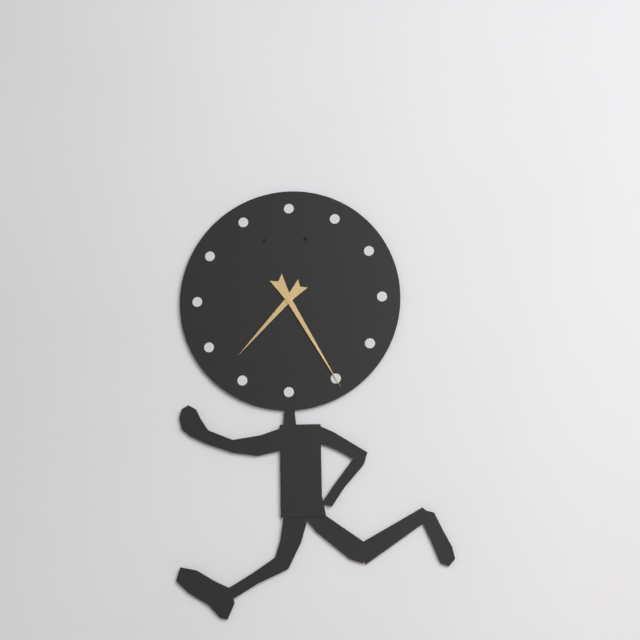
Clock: 7:25
